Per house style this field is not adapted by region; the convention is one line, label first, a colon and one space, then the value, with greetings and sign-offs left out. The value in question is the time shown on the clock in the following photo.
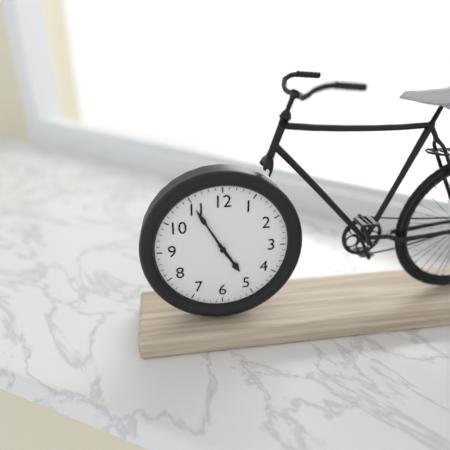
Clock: 4:55
